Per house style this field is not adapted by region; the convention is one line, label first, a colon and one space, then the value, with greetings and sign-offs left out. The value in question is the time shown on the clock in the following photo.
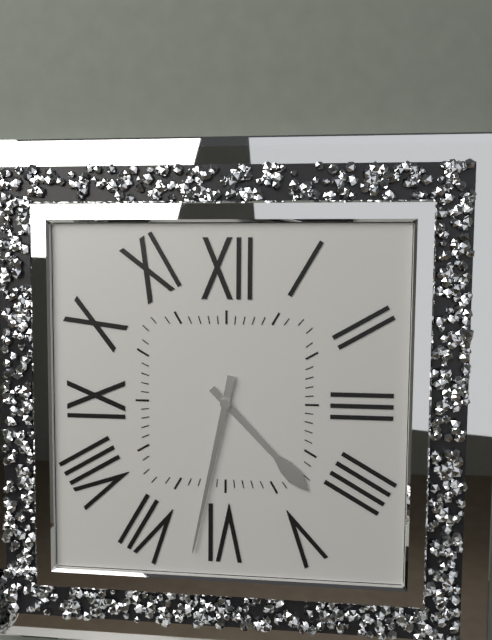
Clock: 4:32
